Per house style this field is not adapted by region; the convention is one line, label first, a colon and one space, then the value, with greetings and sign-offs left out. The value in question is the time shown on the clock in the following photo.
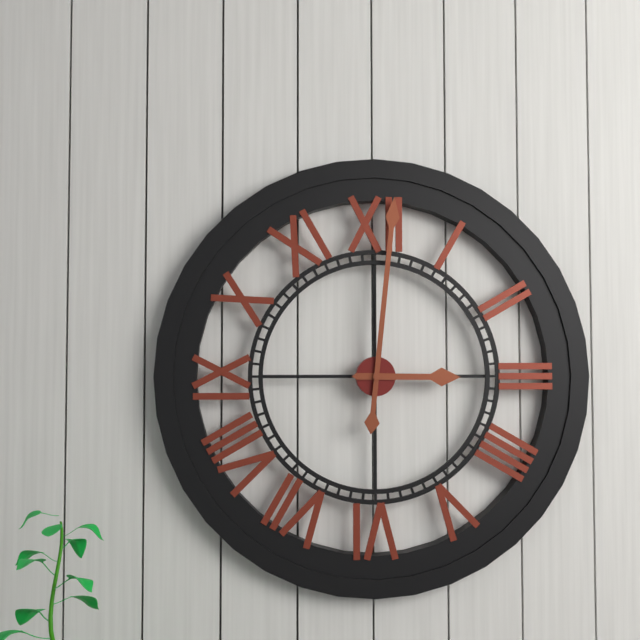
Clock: 3:01
